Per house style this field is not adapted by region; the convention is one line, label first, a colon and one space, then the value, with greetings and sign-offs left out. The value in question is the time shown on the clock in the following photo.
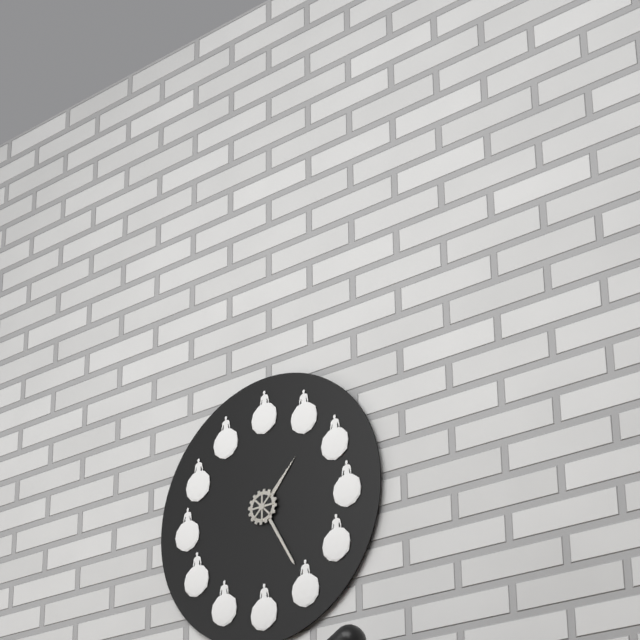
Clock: 1:25
